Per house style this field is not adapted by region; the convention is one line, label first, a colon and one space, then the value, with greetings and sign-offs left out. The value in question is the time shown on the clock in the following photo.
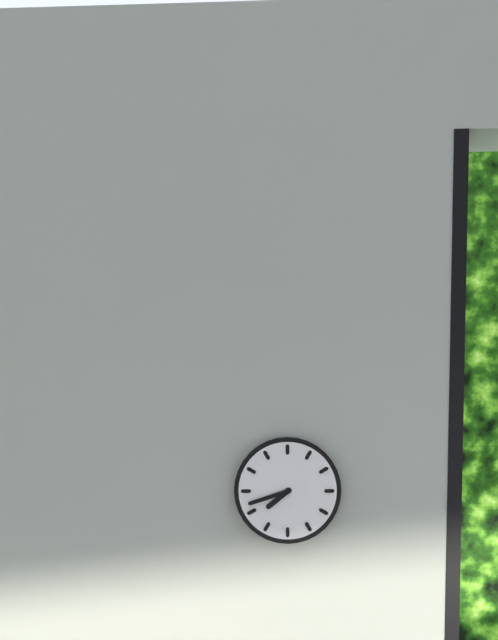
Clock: 7:42
